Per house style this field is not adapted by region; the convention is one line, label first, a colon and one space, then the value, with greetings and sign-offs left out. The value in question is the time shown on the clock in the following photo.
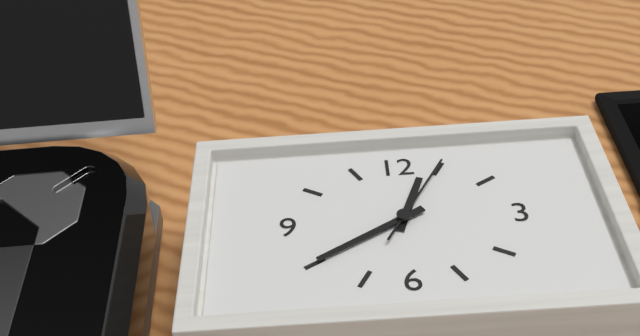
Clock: 12:40:05
